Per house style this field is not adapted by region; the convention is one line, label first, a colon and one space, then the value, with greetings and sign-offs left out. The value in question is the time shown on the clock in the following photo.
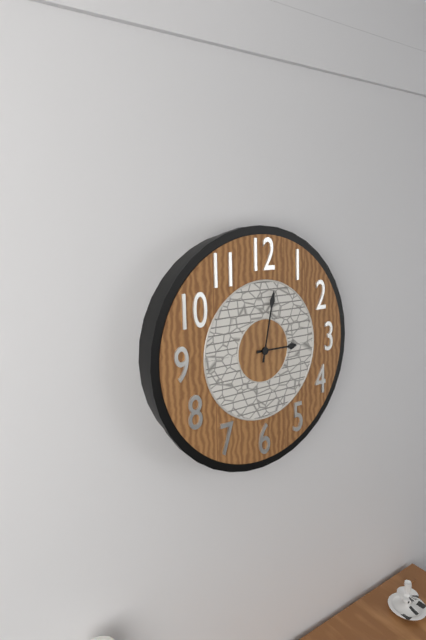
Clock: 3:02
